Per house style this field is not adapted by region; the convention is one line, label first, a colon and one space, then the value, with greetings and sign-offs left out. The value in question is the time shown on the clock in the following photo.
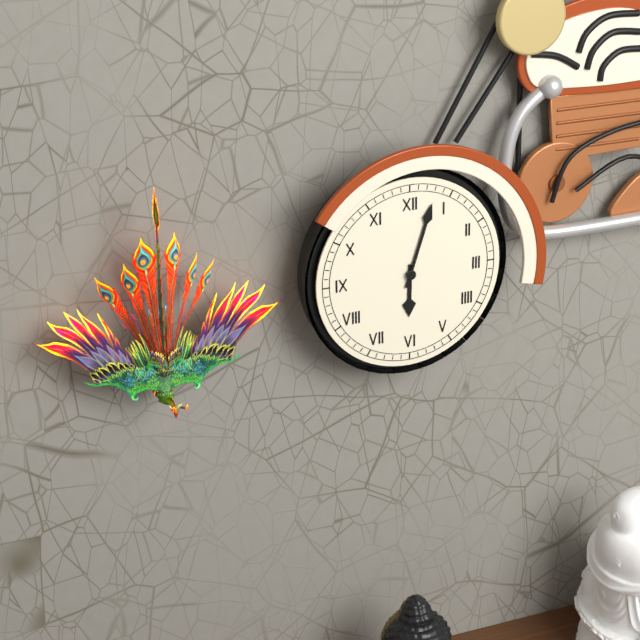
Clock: 6:03
